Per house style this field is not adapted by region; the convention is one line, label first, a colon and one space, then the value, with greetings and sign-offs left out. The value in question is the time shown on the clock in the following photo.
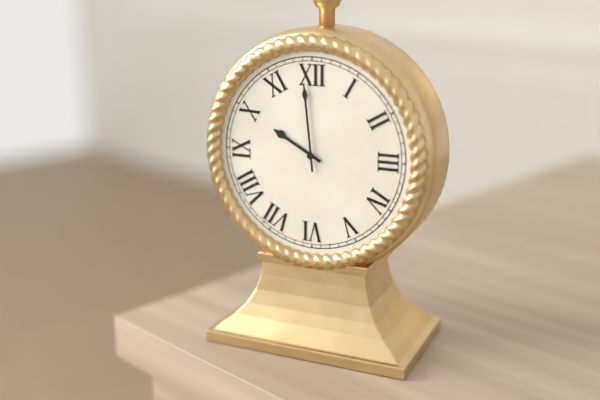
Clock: 9:59
